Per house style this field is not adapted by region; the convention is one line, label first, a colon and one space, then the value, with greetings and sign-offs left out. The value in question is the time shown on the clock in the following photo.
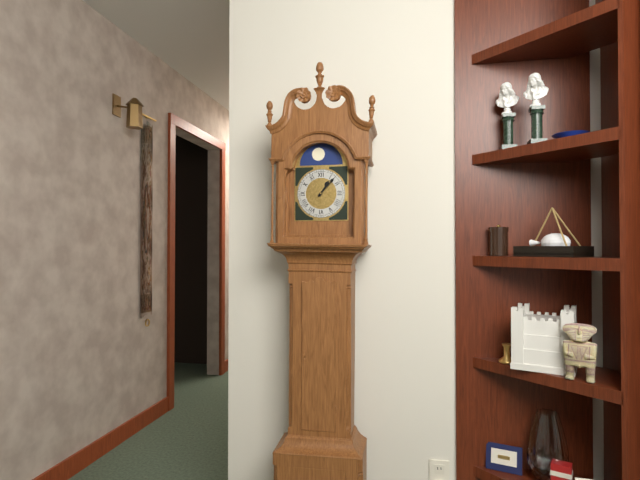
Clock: 1:07
